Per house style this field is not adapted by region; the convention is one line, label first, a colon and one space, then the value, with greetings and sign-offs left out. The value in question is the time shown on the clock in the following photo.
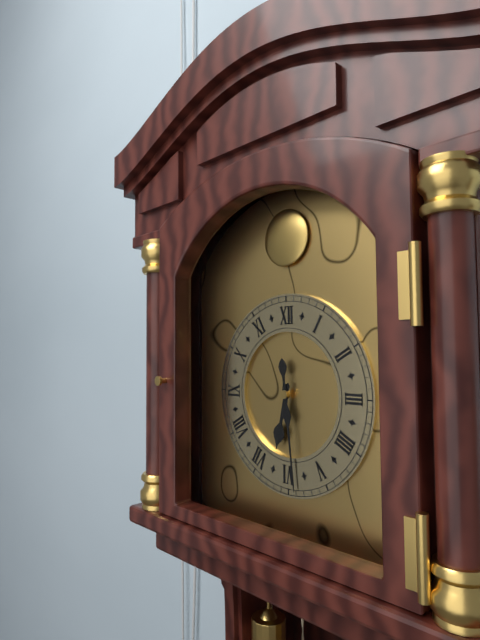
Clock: 6:29
